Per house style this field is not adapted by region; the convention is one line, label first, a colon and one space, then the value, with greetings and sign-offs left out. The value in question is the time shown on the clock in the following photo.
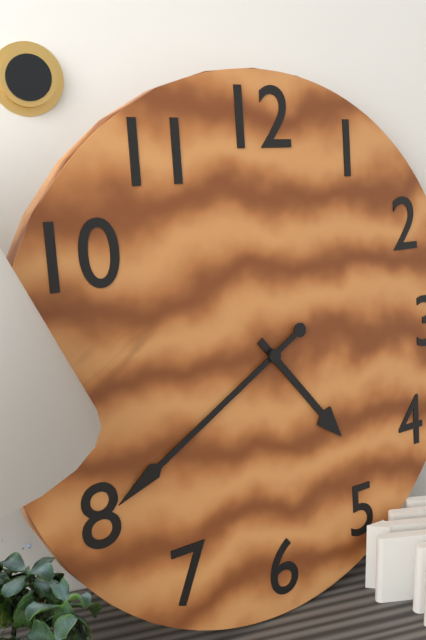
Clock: 4:40
